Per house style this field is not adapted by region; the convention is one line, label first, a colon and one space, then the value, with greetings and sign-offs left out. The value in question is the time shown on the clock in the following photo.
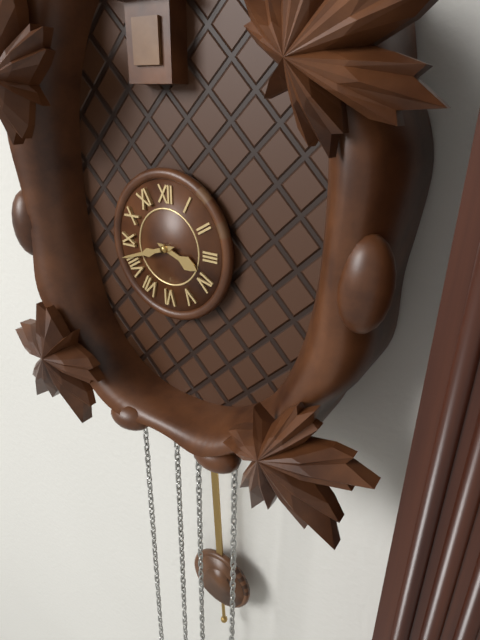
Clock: 3:42
